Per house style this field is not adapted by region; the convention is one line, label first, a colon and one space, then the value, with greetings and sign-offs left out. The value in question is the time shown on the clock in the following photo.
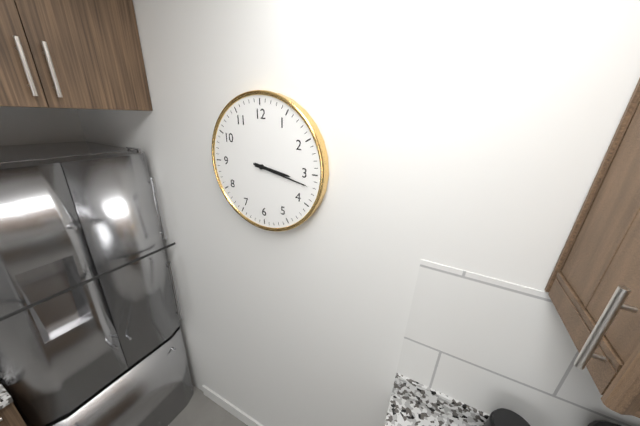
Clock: 3:17
